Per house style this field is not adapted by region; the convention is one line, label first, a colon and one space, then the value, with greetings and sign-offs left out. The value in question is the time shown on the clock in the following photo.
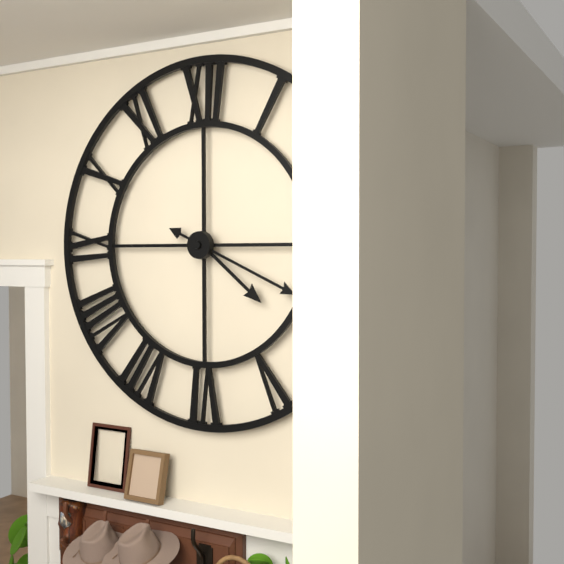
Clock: 4:19
